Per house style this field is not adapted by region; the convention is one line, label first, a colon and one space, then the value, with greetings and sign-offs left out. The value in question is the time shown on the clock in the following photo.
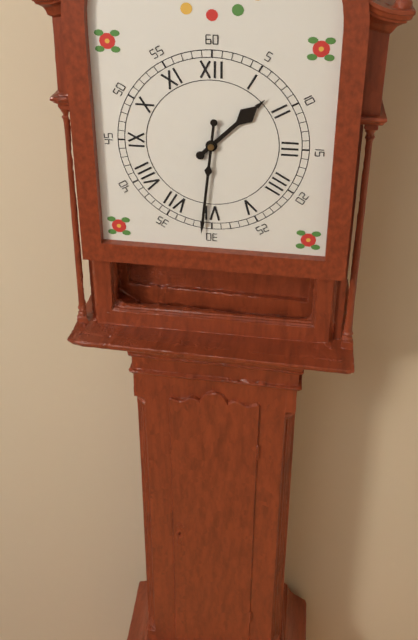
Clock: 1:31
